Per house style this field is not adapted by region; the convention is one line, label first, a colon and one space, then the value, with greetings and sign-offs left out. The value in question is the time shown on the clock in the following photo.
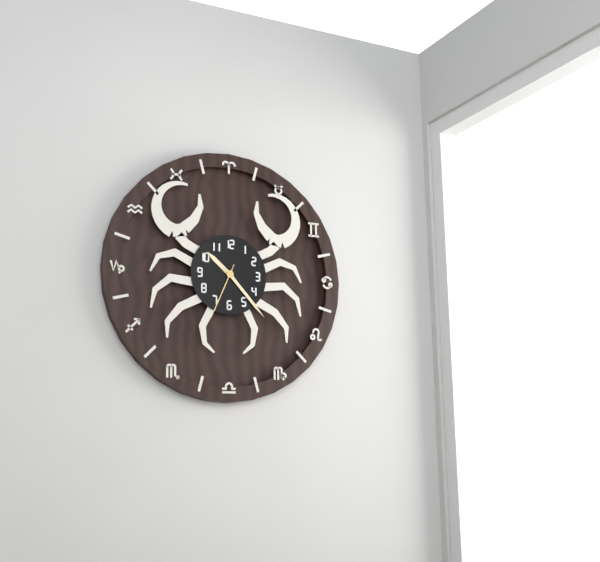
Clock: 10:23:34
